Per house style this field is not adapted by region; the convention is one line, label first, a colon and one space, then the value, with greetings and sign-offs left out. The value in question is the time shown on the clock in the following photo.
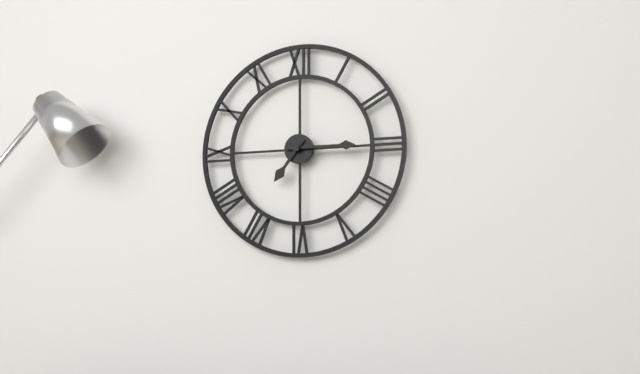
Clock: 7:15
